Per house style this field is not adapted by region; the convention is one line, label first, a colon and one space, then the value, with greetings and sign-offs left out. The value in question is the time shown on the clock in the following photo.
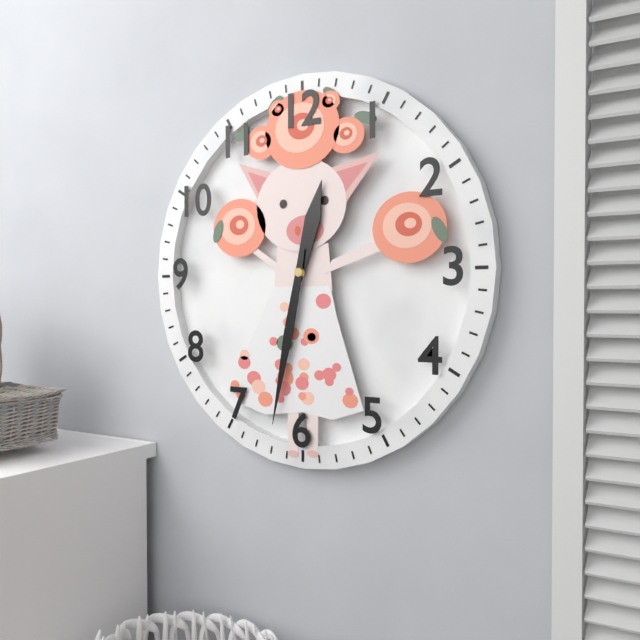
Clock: 12:32
